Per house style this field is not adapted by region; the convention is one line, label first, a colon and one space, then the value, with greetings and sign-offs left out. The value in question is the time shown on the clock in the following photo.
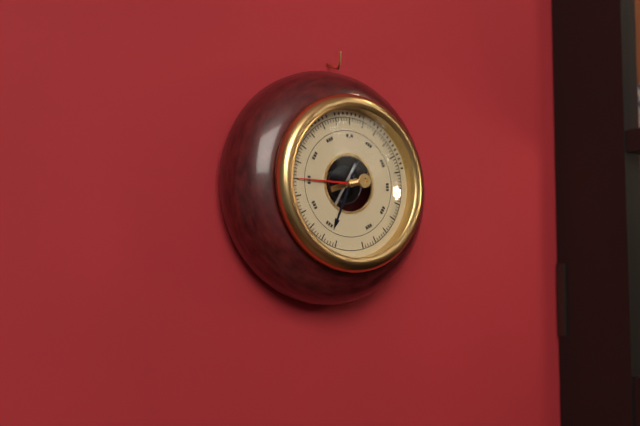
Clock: 6:45
